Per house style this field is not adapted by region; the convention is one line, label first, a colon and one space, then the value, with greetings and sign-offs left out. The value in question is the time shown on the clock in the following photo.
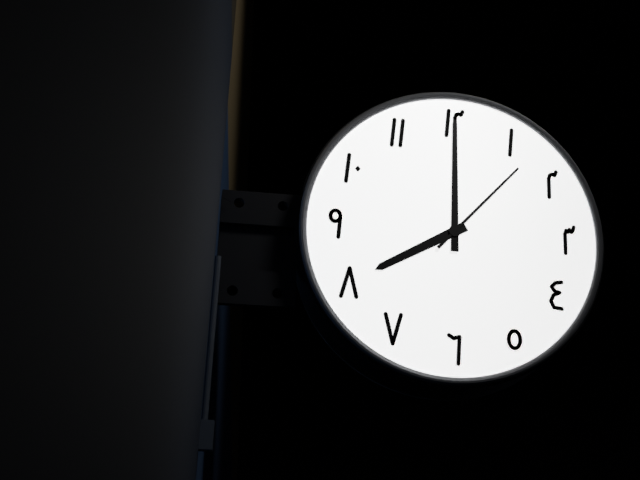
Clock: 8:00:07
